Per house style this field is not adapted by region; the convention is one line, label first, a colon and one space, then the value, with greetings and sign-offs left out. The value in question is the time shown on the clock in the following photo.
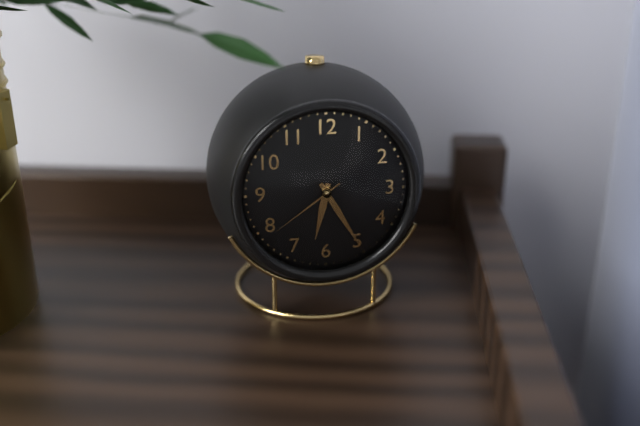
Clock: 6:25:39
